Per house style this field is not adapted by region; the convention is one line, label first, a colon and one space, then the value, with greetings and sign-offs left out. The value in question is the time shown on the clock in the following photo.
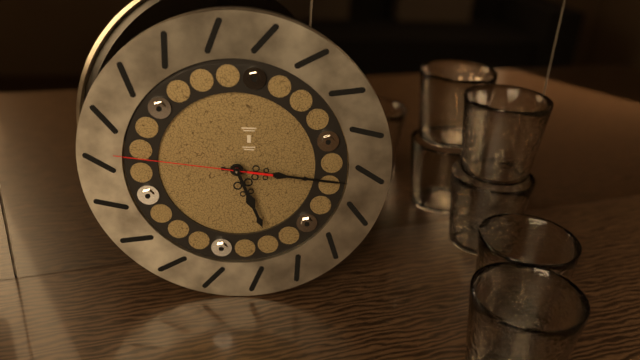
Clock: 5:16:46
